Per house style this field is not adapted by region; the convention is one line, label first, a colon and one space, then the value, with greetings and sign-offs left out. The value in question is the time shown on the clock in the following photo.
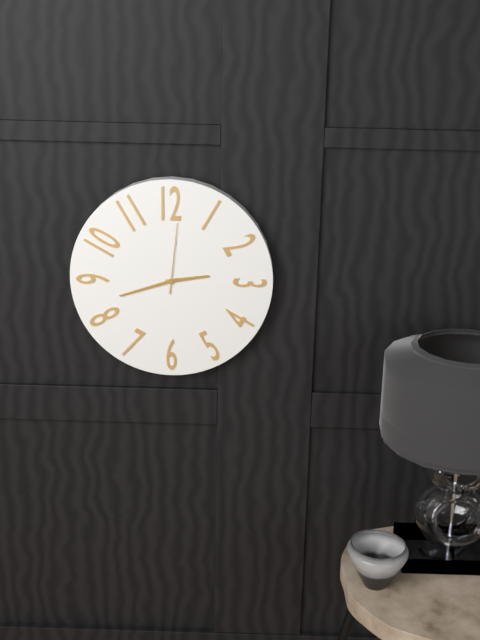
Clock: 2:42:01
